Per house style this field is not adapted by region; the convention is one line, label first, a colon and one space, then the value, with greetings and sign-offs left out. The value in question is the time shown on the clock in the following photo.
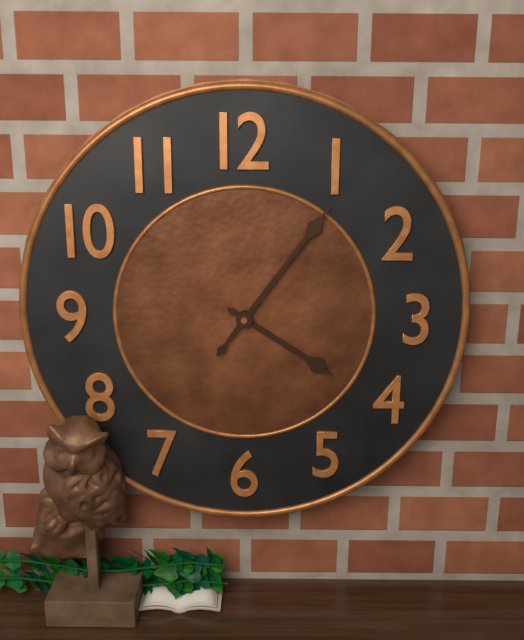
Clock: 4:06
